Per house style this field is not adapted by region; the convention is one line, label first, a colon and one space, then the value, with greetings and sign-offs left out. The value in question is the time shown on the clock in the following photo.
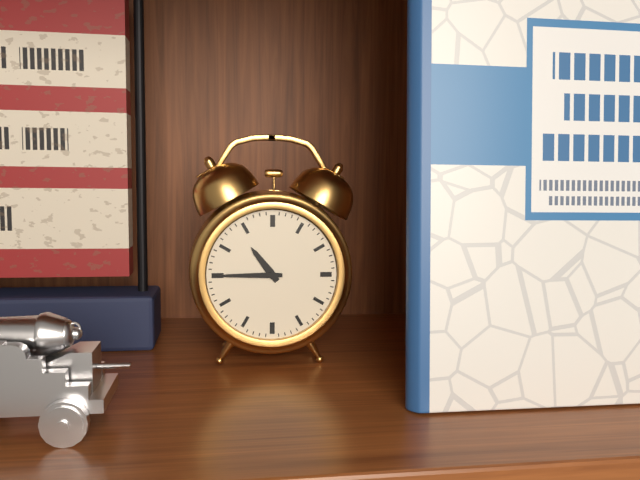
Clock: 10:45
